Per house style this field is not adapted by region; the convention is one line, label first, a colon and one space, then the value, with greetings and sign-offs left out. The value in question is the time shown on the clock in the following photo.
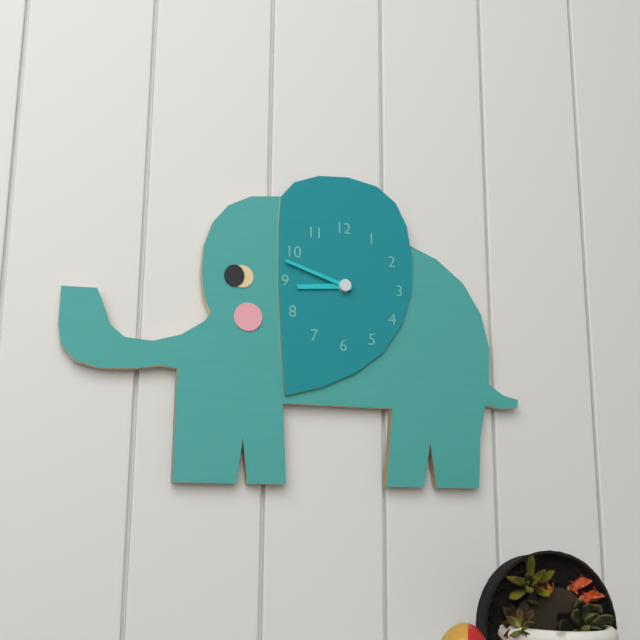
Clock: 8:48
